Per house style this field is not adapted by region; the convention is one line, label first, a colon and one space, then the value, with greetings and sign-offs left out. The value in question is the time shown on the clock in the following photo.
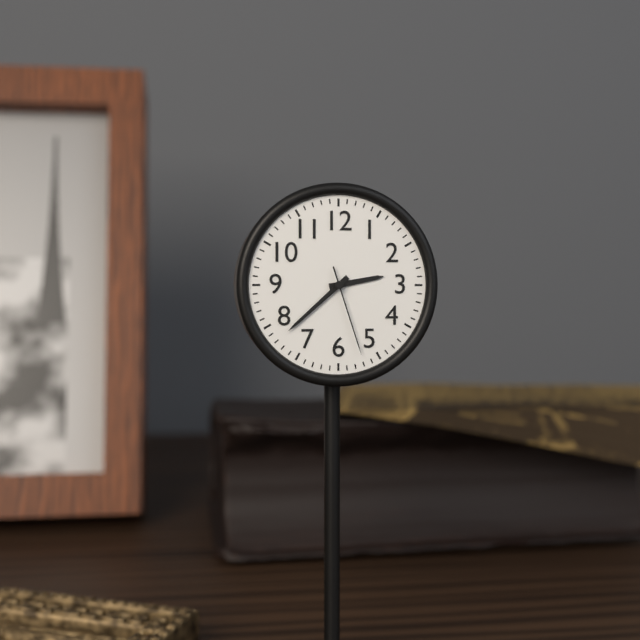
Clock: 2:38:27
